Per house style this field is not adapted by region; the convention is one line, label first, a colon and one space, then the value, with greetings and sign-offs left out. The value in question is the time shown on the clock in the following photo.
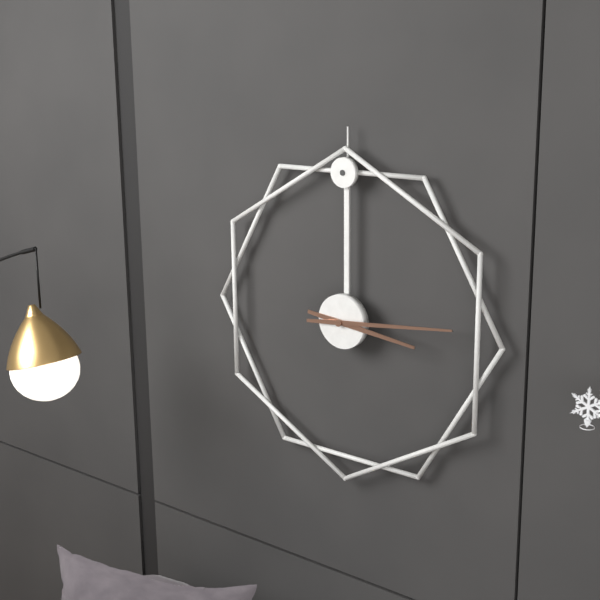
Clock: 3:14
